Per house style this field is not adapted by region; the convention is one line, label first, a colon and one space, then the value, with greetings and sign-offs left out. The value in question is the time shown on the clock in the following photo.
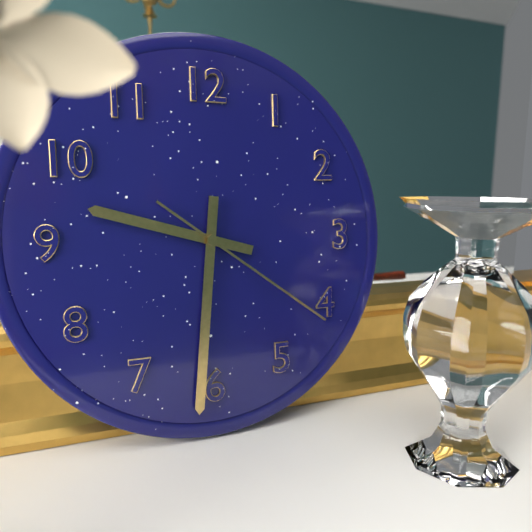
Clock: 9:31:21
